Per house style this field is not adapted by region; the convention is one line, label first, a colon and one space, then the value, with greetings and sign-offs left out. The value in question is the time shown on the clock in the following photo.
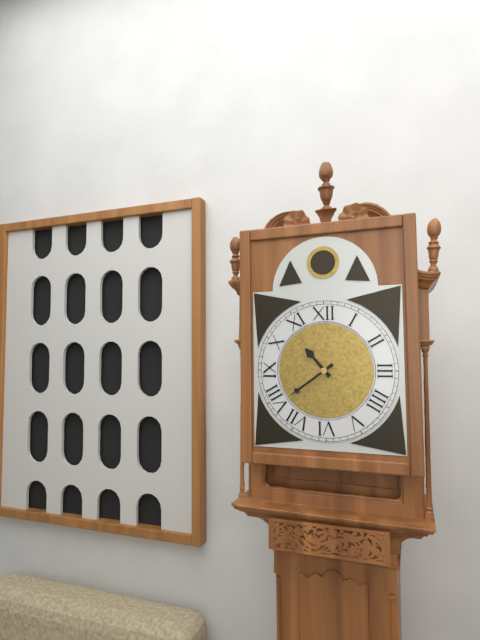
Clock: 10:39
